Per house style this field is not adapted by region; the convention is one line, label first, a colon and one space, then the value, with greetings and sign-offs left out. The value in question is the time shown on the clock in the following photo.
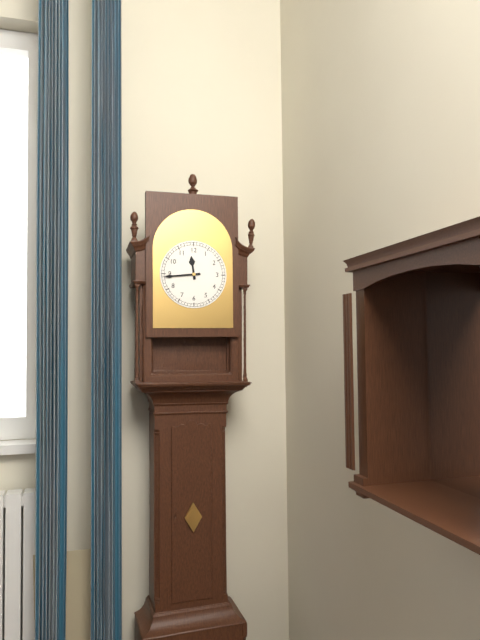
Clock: 11:44
